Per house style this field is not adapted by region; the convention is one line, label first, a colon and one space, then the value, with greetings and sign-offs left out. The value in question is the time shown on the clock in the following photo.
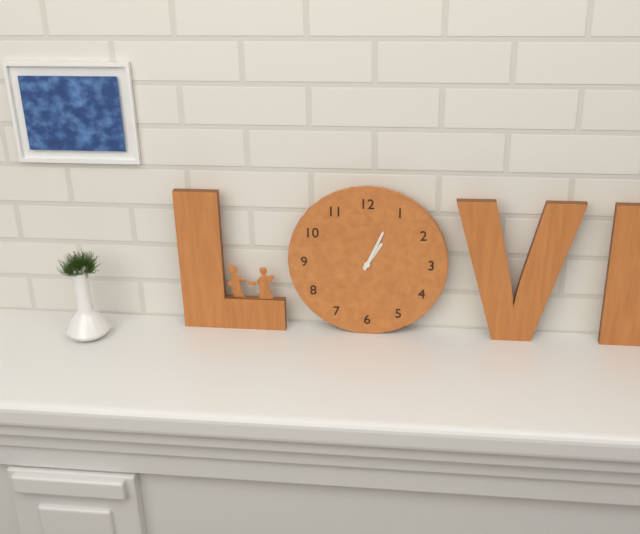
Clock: 1:04
